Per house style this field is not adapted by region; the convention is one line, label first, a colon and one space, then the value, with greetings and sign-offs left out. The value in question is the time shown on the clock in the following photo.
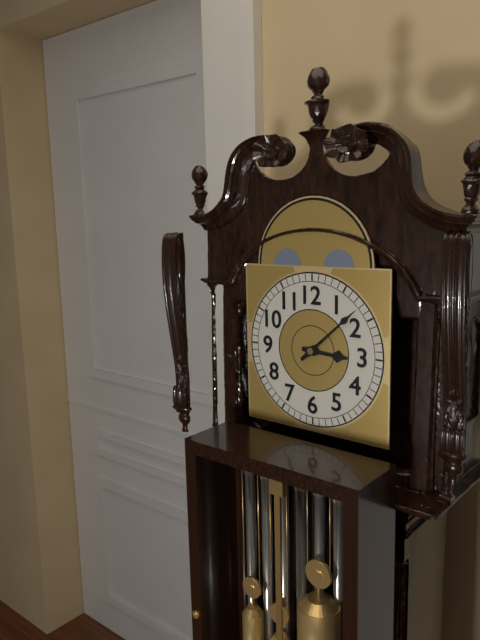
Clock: 3:08
